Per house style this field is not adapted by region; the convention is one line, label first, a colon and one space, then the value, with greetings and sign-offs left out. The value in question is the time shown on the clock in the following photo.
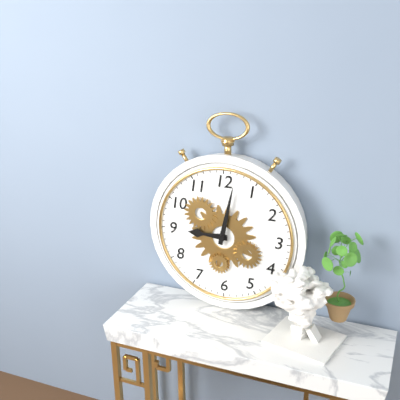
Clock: 9:02
